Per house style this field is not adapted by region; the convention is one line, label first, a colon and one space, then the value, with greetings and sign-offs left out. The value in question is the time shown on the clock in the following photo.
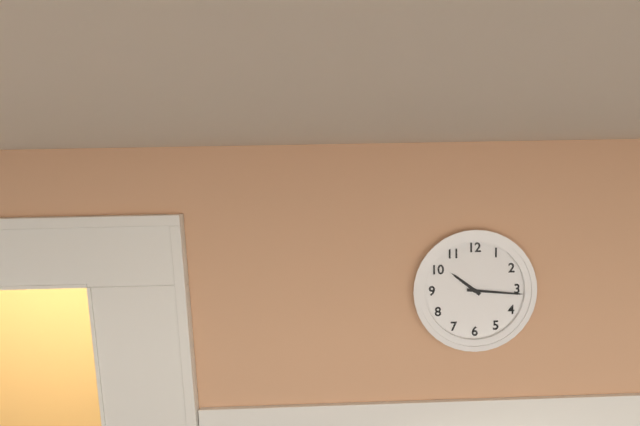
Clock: 10:16
